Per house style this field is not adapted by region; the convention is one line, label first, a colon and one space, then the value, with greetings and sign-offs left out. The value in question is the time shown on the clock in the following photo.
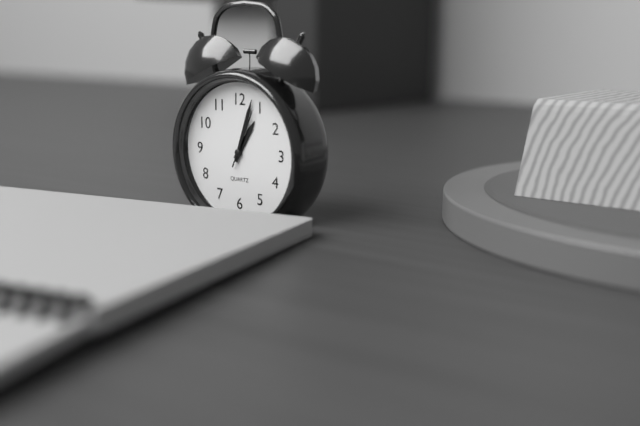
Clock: 1:03:04
